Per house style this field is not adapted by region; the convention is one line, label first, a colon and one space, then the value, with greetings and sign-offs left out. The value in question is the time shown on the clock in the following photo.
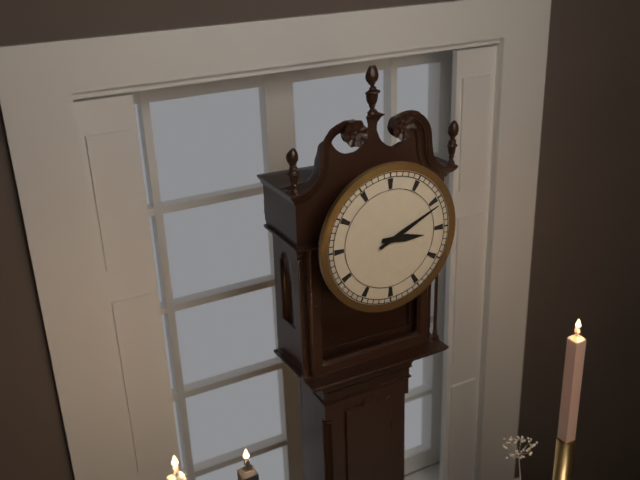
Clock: 3:11
